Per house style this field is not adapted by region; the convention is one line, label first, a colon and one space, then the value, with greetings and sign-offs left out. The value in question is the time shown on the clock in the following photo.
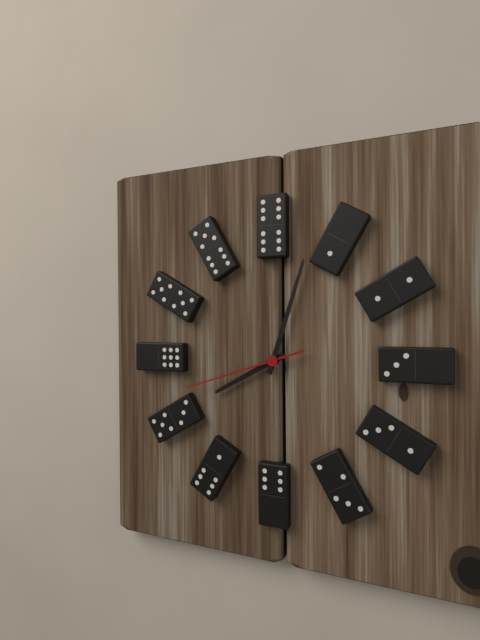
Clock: 8:03:42
